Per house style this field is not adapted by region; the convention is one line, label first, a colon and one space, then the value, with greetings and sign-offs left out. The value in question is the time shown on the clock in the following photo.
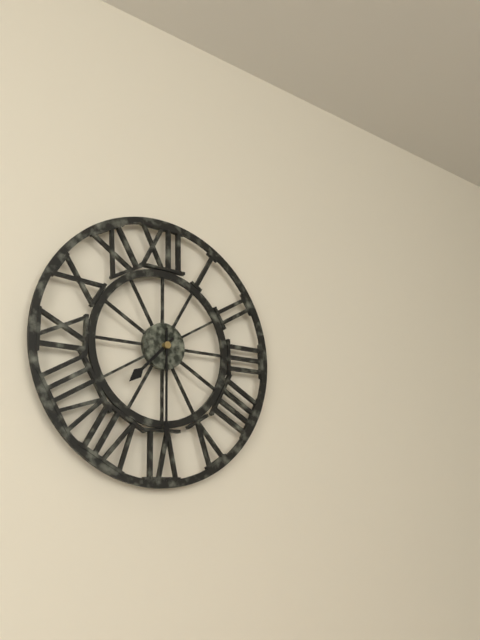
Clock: 7:30
